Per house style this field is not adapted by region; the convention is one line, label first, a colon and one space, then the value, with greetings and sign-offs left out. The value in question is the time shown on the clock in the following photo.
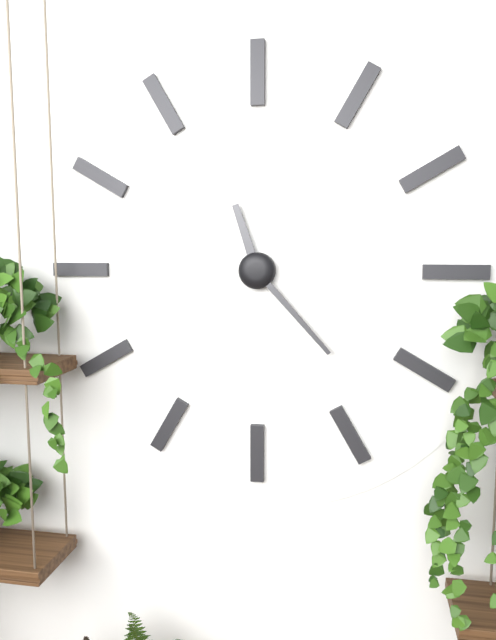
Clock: 11:23
